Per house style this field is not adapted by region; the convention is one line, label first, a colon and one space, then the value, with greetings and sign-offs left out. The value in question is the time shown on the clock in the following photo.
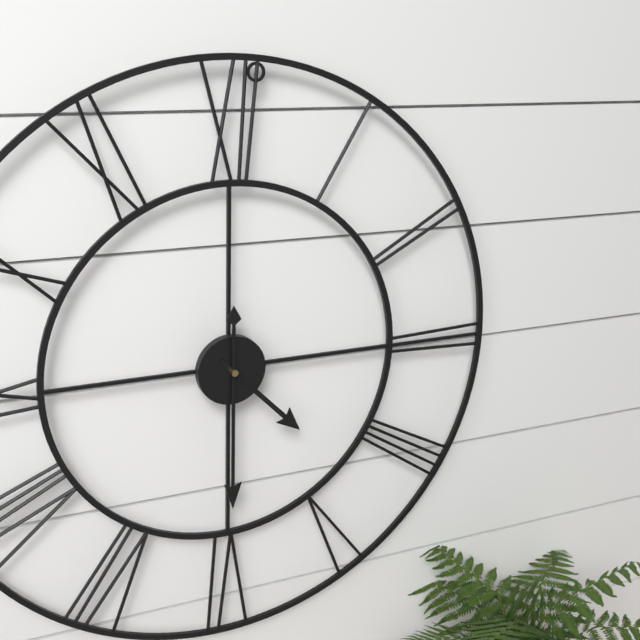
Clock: 4:30
